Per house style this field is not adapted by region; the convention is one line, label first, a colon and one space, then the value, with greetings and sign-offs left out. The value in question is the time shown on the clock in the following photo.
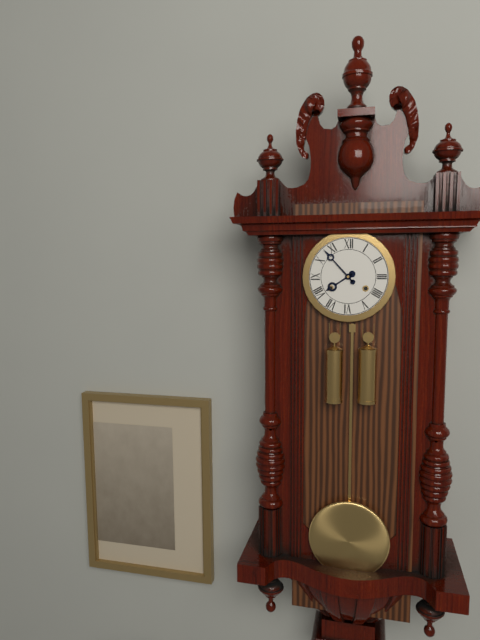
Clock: 7:53
